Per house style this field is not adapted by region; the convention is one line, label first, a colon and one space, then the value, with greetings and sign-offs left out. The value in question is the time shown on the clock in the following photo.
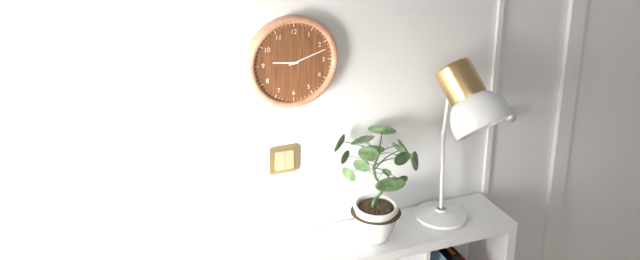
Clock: 9:12
